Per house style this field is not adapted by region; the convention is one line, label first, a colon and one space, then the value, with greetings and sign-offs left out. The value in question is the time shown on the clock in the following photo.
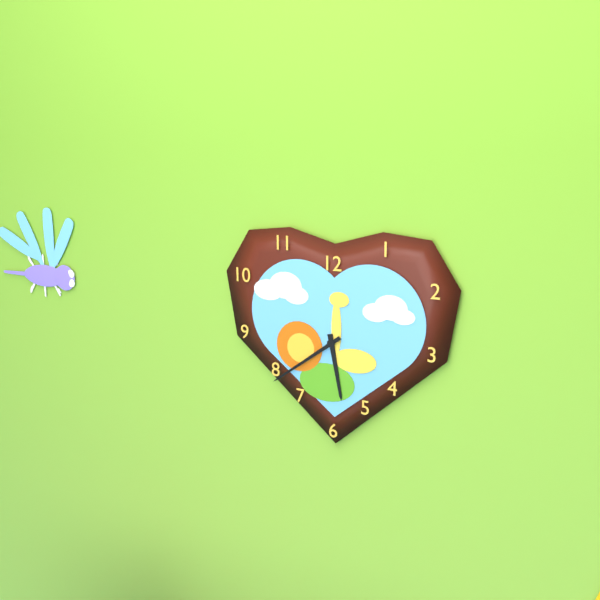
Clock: 5:39
